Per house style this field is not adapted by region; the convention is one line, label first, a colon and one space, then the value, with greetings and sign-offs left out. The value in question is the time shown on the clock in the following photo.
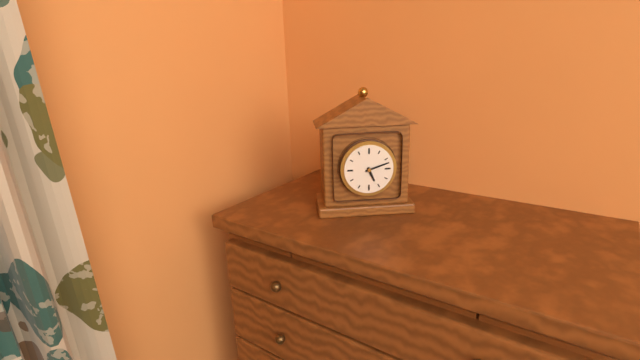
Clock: 5:12
